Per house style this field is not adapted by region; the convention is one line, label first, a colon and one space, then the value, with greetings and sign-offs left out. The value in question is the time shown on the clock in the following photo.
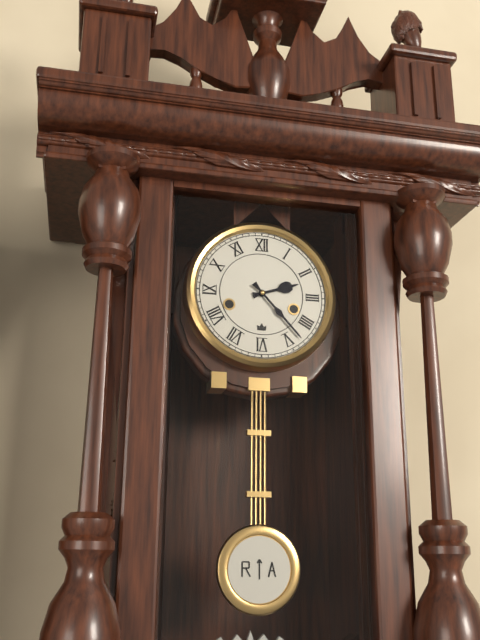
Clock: 2:23
